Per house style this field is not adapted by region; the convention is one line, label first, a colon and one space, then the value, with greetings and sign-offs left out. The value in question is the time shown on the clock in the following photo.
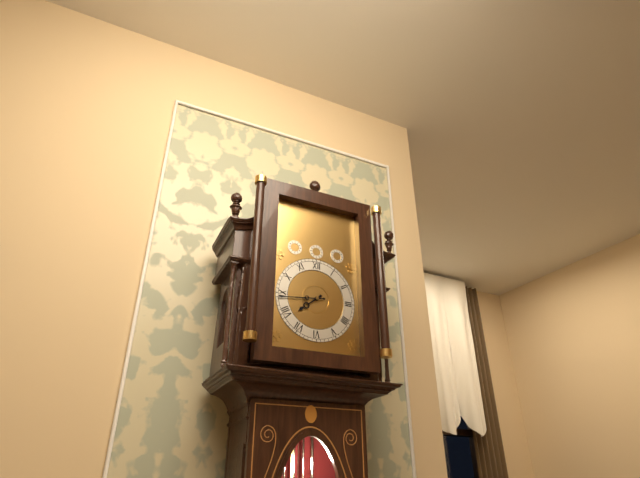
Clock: 7:44
